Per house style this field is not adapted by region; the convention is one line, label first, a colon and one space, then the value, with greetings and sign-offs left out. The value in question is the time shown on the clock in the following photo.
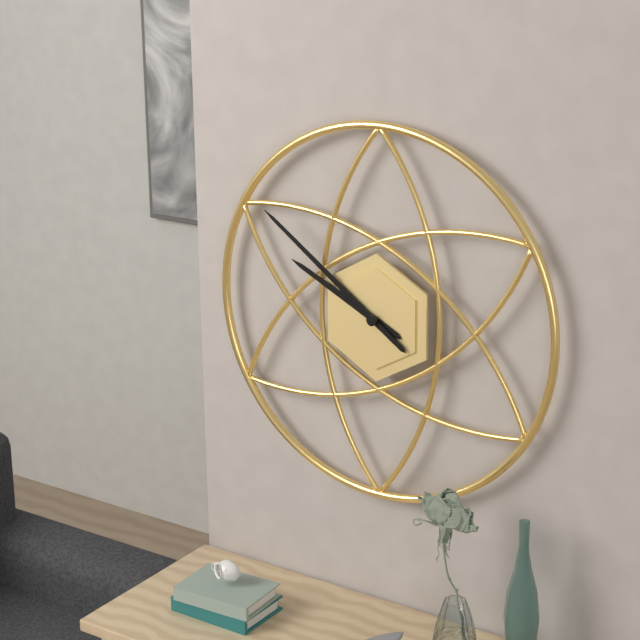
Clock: 9:51
